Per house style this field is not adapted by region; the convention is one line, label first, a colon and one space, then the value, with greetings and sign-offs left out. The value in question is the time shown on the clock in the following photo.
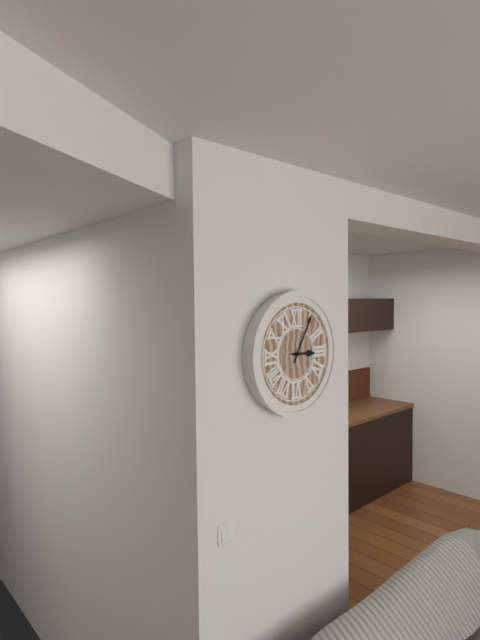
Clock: 3:05
